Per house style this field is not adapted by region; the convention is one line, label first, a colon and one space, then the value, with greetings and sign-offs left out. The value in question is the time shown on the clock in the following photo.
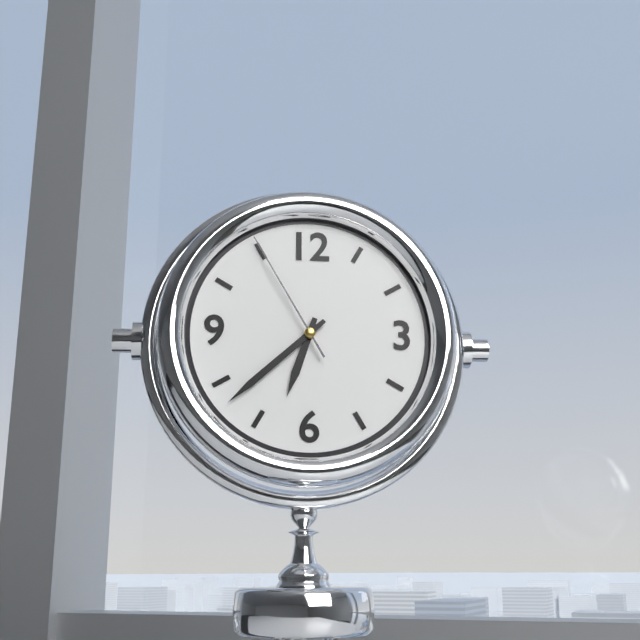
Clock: 6:38:55
